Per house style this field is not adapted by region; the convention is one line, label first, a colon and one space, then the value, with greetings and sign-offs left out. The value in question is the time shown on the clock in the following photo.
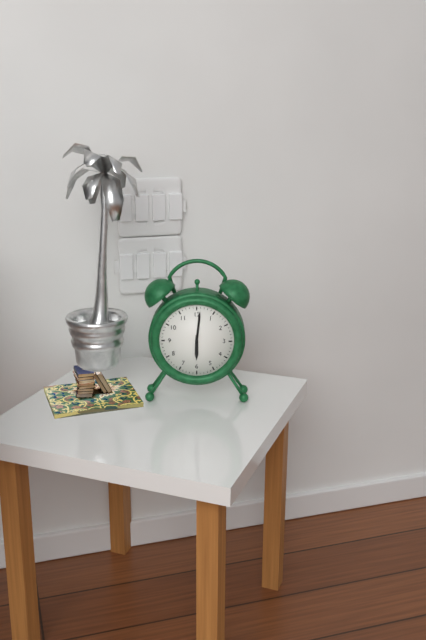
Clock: 6:01
